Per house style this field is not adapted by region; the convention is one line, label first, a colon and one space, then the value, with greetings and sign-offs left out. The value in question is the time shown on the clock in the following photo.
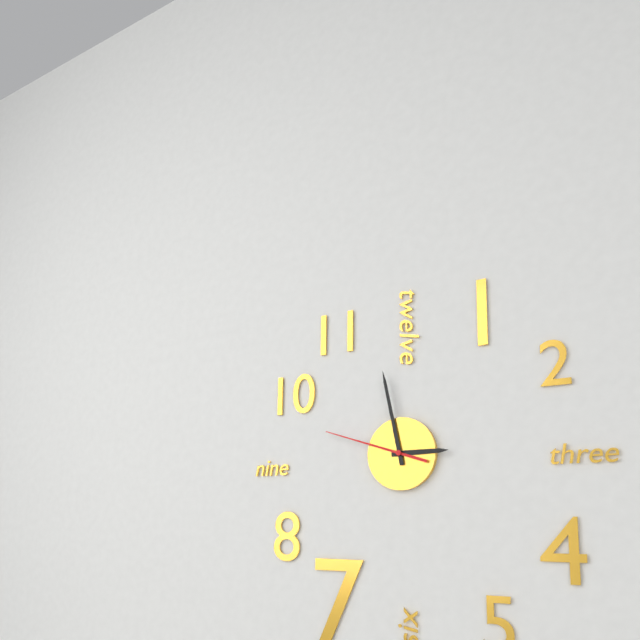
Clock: 2:58:48
